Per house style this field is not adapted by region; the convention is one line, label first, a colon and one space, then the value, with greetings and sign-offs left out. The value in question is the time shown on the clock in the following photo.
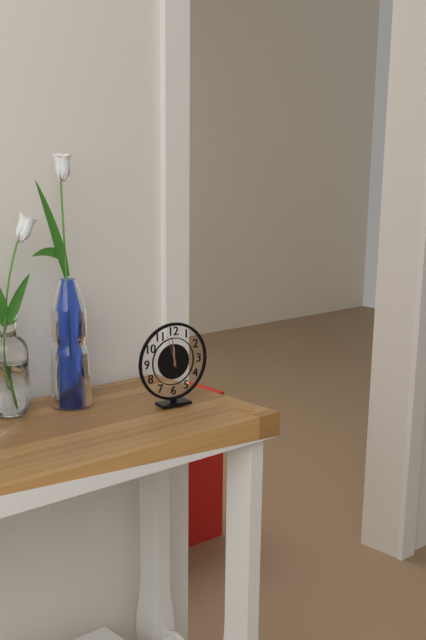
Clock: 11:59
